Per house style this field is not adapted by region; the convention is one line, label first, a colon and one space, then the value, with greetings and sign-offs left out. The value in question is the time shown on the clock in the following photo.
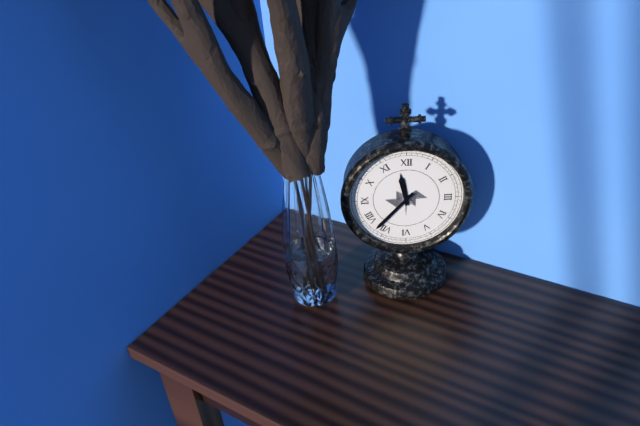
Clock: 11:37
